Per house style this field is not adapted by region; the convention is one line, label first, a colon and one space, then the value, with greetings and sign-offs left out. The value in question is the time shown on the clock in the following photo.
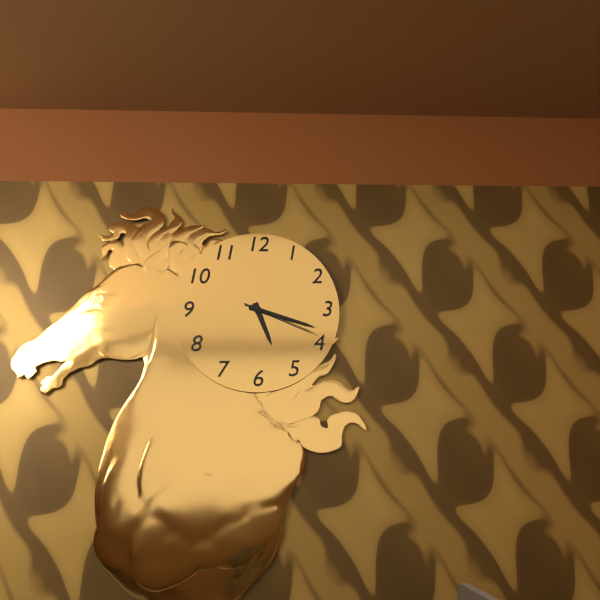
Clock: 5:18:19
